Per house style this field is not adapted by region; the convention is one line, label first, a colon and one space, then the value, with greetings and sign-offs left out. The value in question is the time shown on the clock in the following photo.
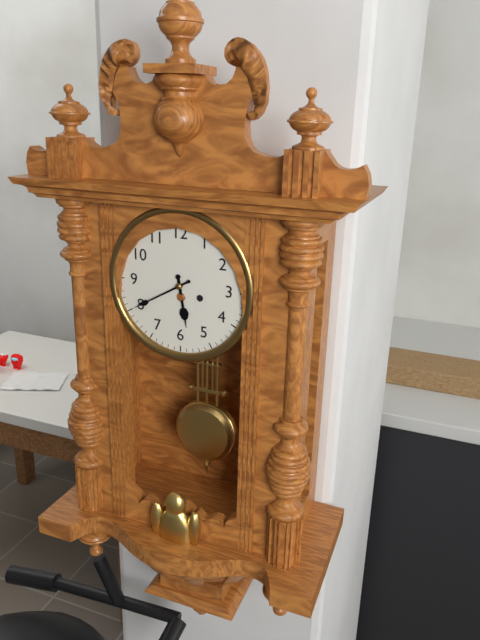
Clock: 5:40
